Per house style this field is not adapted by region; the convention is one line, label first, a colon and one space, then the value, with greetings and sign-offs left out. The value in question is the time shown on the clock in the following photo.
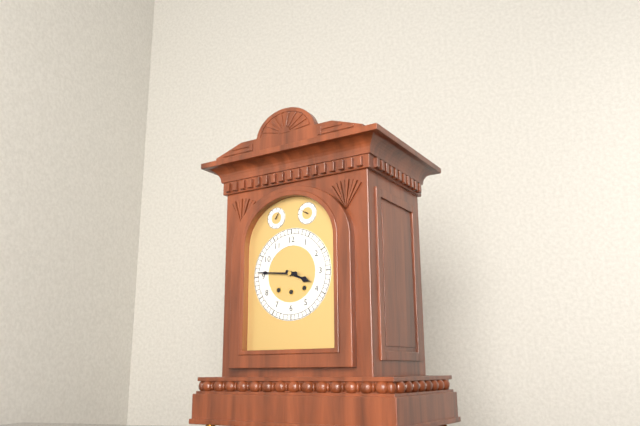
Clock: 3:46
